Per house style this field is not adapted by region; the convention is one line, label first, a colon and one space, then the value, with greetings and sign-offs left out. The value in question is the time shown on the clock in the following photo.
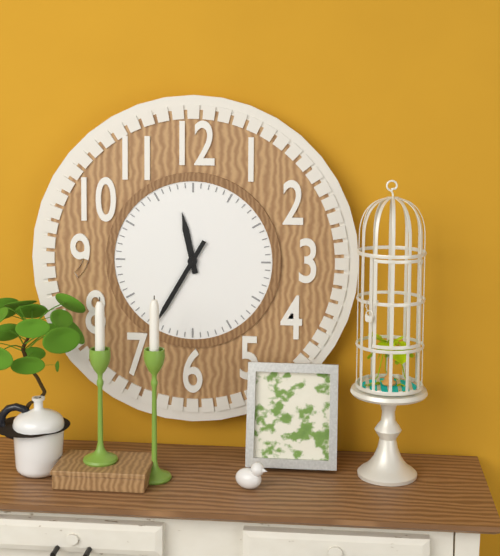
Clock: 11:35
